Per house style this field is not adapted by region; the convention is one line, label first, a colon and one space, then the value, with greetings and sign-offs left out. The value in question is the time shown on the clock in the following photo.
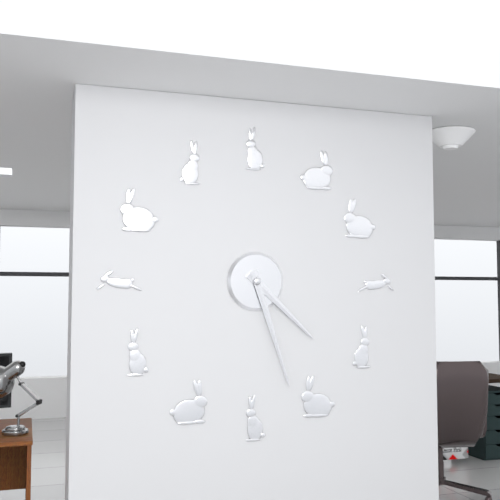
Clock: 4:27
